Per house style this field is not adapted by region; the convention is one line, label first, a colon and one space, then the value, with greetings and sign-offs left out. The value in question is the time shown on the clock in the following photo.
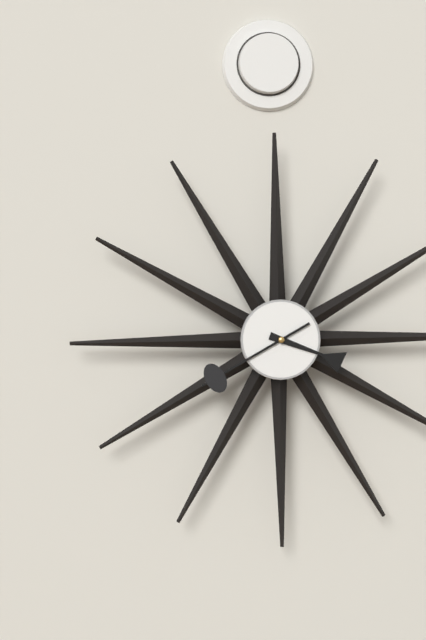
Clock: 3:40
